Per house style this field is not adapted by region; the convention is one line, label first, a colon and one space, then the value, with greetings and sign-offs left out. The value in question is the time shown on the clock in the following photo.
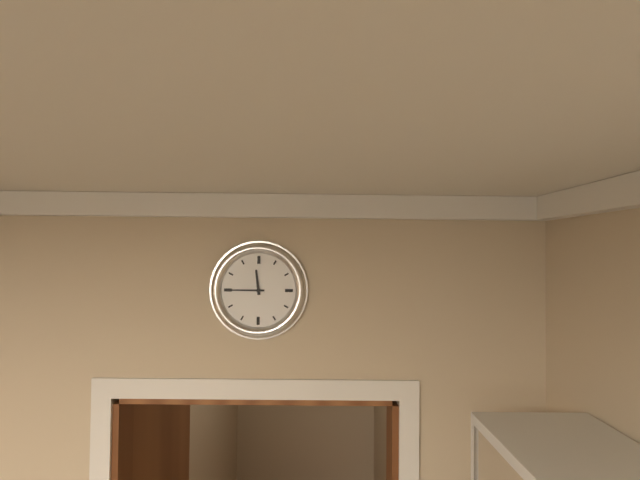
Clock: 11:45
